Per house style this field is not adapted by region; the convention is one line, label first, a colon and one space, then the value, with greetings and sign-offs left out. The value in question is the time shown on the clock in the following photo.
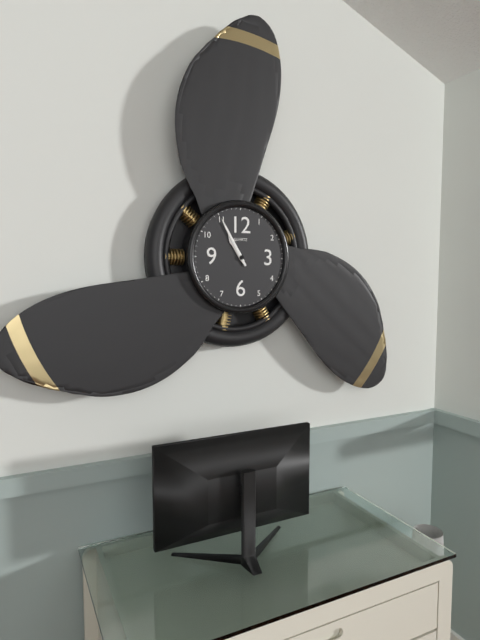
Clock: 10:55
